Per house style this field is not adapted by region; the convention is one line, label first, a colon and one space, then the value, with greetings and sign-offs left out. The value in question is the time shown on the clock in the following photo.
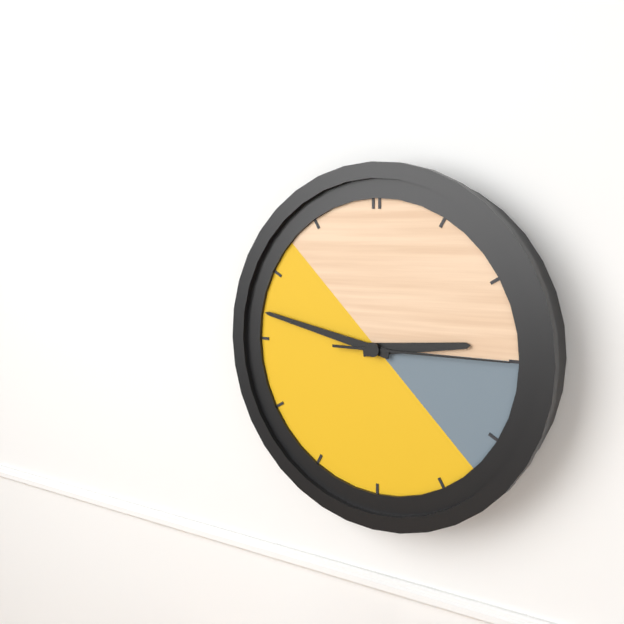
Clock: 2:47:15
